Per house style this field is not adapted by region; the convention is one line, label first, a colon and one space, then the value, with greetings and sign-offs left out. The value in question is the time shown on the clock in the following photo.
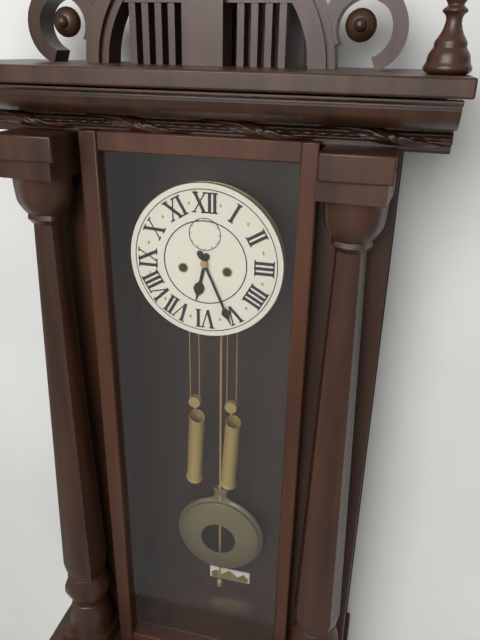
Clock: 6:26
